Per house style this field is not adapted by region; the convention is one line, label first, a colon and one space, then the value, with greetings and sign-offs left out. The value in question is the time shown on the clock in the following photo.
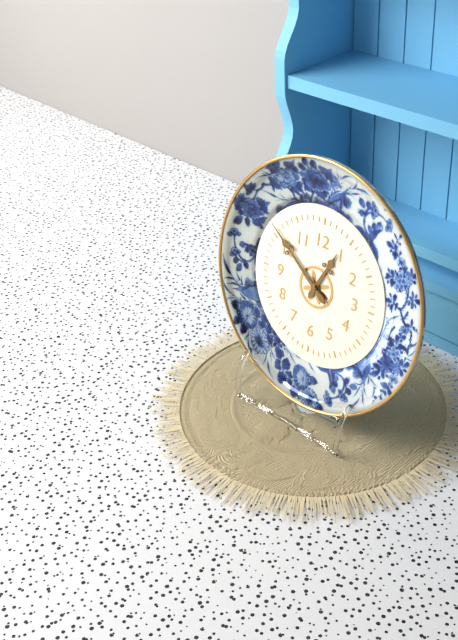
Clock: 12:51
